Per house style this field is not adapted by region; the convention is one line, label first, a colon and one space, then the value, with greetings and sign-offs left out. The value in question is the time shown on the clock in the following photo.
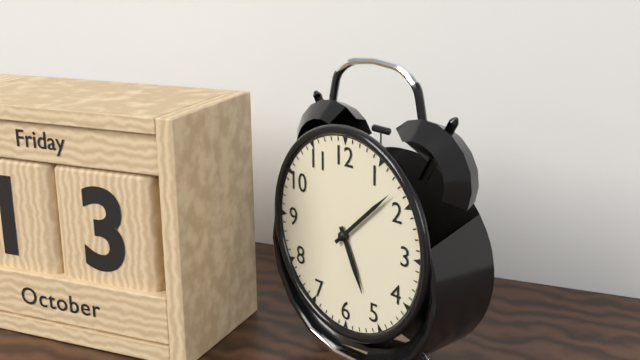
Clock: 5:08
